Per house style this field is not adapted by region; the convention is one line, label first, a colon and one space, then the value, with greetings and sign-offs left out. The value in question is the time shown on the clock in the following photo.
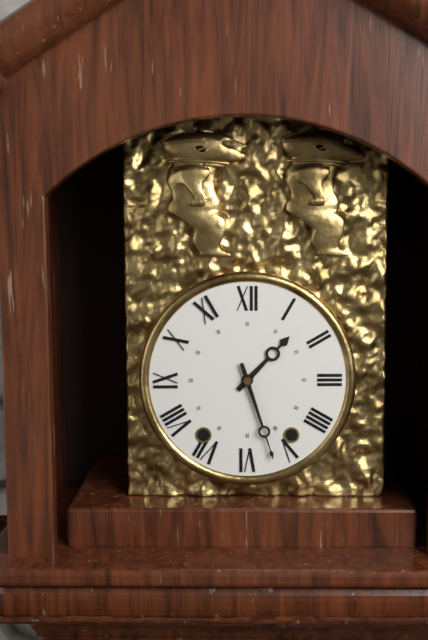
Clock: 1:27
